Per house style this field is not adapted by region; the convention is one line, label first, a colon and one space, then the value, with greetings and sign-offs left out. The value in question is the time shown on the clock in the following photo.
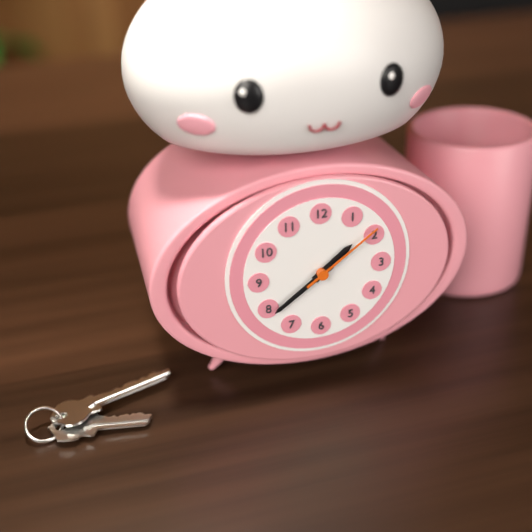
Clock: 1:39:09
